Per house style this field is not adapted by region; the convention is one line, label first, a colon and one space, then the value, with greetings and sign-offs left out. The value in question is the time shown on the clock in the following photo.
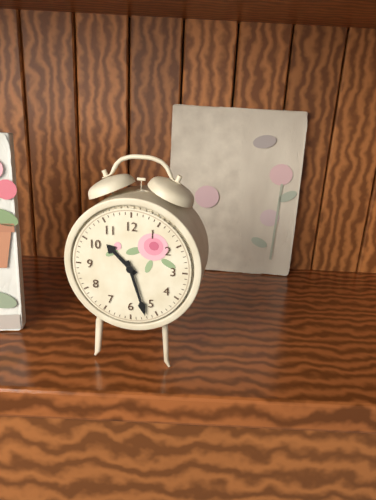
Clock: 10:27
